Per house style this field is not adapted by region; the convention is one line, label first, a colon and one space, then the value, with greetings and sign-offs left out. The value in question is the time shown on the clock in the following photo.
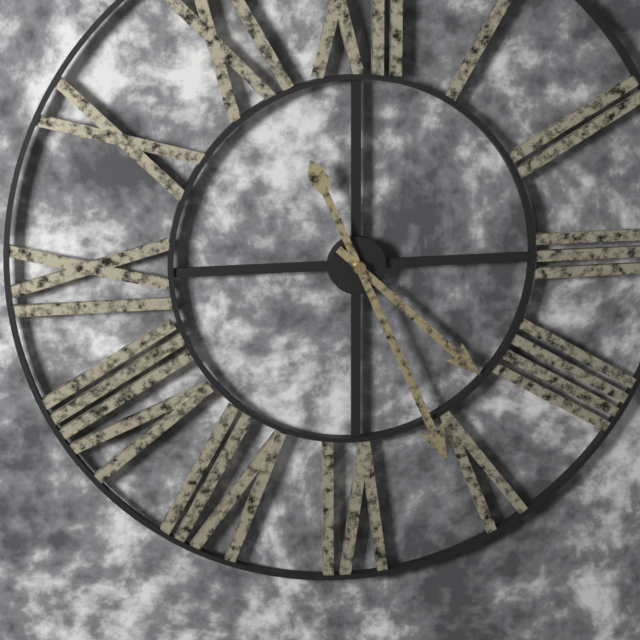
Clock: 4:26
